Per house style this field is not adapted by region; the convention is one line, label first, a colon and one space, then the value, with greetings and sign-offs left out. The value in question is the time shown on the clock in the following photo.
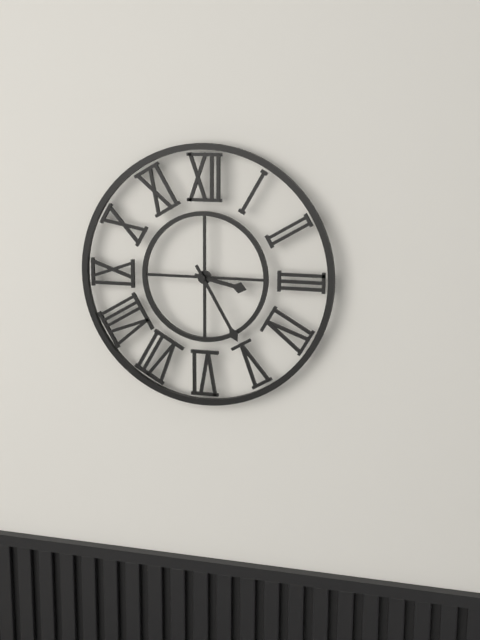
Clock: 3:25
